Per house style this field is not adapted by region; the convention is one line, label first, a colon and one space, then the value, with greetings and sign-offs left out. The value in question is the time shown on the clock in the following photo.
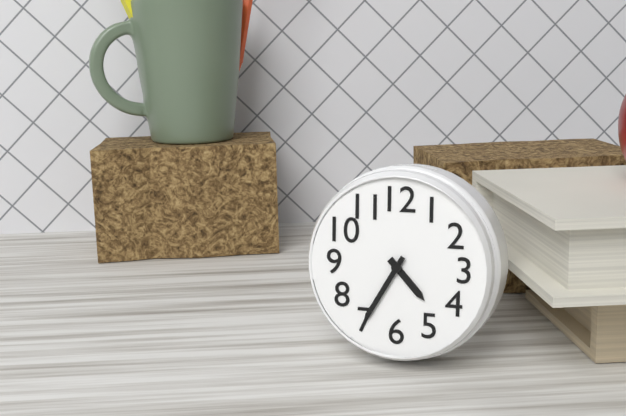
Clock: 4:35
